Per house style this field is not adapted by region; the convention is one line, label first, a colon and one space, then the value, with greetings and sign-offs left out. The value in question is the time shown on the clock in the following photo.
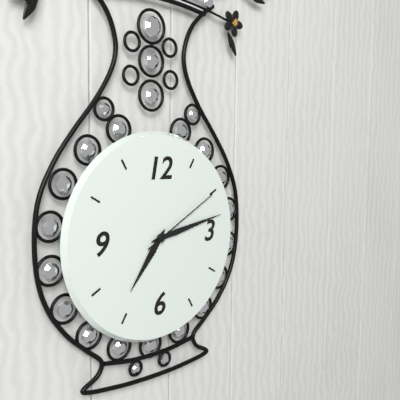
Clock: 7:13:10
